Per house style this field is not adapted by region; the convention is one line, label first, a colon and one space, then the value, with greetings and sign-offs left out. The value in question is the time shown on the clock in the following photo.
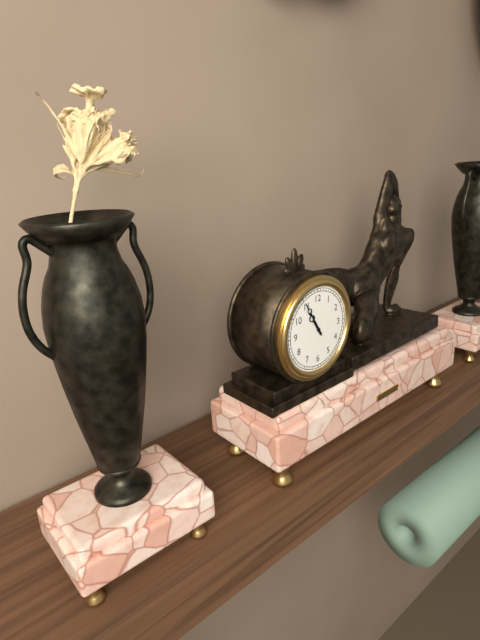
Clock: 10:55
